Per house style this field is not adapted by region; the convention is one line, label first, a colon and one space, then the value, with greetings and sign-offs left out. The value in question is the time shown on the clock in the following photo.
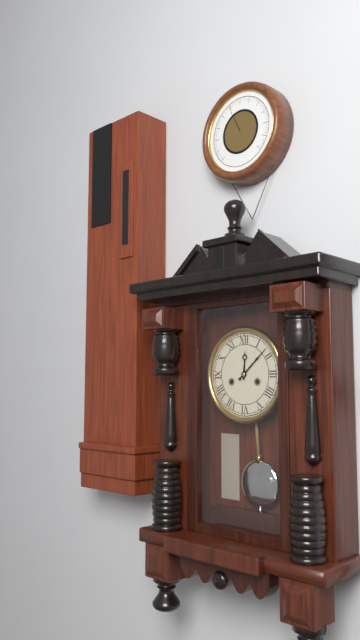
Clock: 12:08
